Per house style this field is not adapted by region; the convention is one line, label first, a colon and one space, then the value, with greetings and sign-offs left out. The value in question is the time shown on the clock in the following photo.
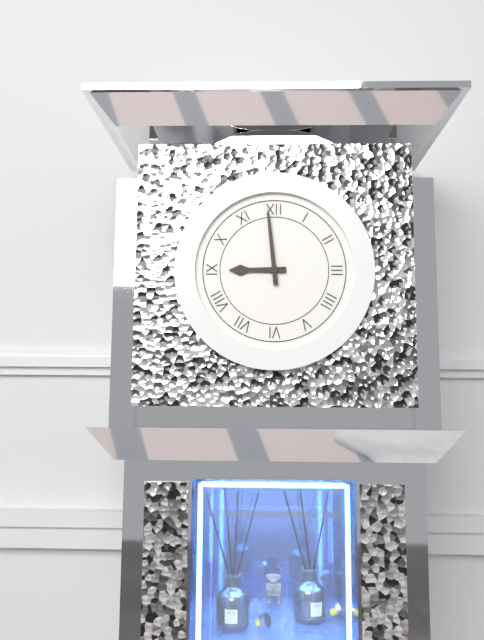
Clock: 8:59
